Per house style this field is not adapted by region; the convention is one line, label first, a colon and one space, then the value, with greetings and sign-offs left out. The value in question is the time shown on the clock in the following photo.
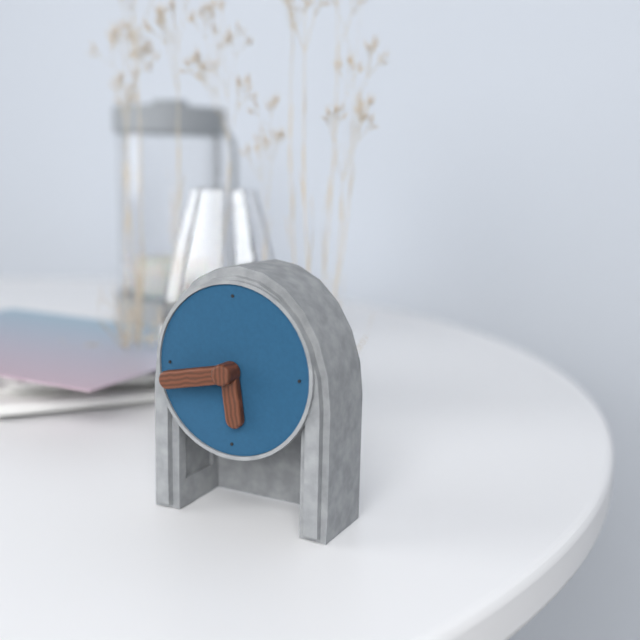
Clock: 5:43
